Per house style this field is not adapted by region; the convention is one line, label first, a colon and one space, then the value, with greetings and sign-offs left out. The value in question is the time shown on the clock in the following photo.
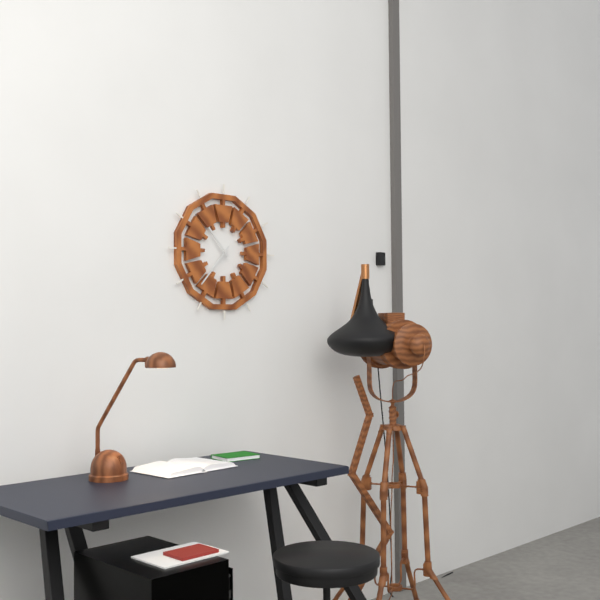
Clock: 10:37
